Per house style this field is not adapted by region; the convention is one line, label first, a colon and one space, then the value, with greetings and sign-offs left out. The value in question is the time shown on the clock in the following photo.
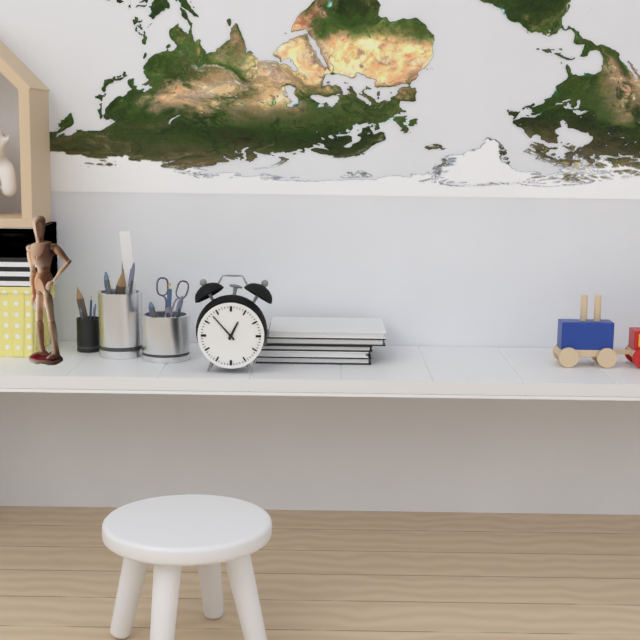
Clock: 12:53
